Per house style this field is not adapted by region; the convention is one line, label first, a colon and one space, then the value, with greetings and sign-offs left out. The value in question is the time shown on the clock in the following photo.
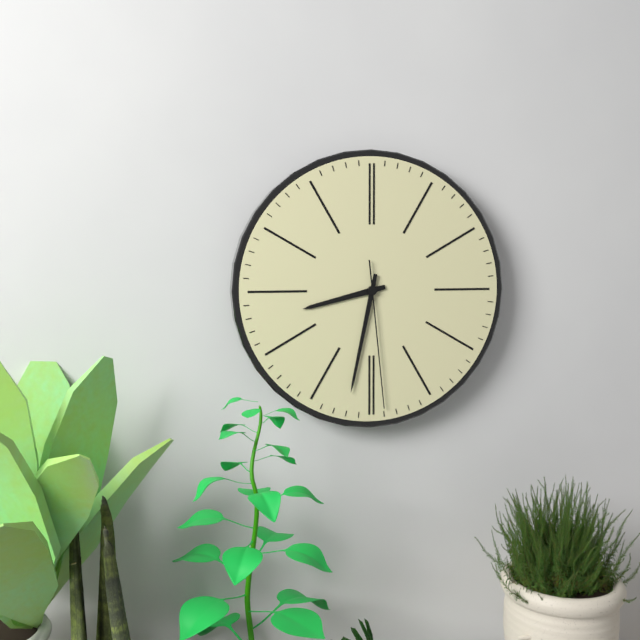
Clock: 8:32:29
